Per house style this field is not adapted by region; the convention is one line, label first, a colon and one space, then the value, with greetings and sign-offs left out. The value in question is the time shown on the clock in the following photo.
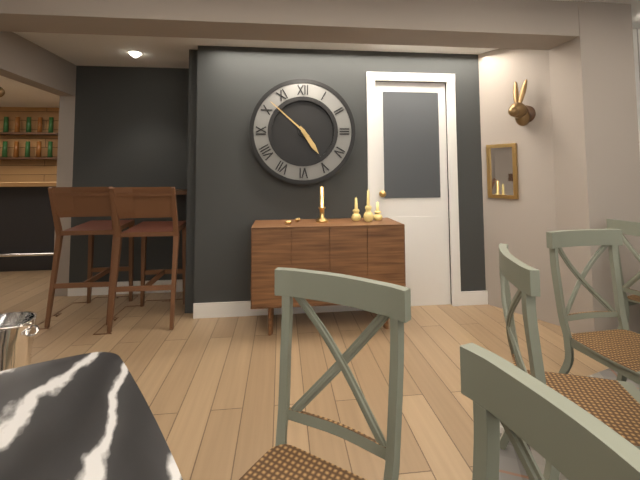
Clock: 4:52
